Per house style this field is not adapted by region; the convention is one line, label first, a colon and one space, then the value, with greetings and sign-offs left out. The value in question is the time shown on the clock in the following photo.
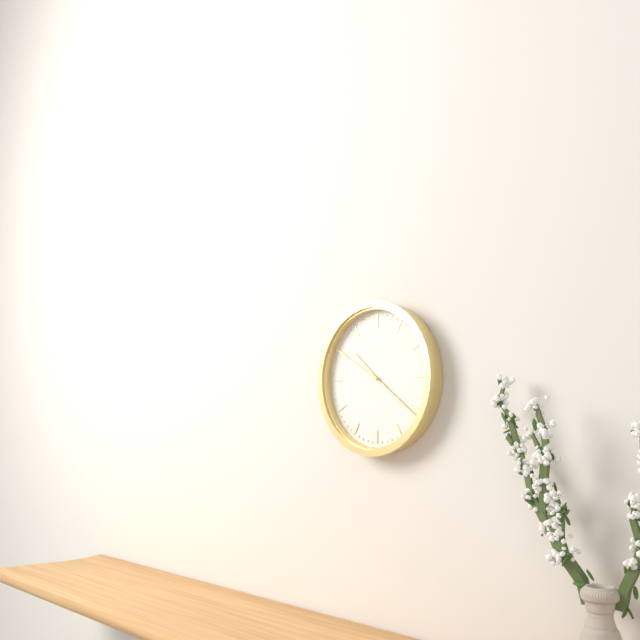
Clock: 10:21:50
